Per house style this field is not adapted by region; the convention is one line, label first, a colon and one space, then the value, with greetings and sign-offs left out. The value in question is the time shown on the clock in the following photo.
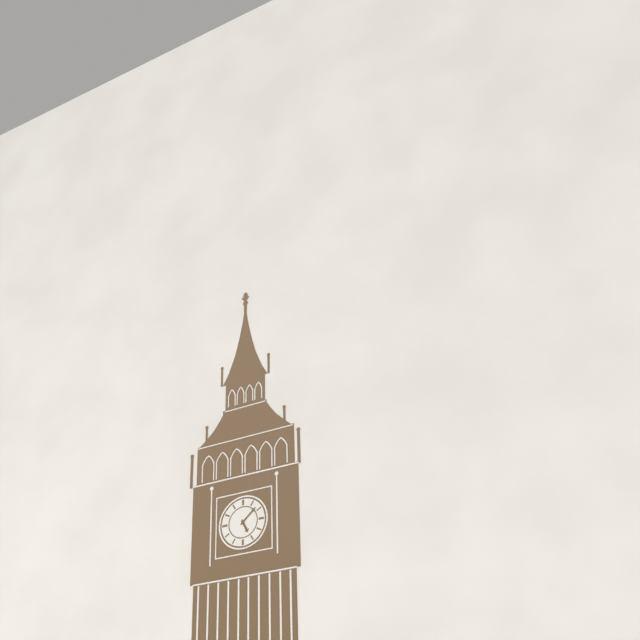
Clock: 5:08
